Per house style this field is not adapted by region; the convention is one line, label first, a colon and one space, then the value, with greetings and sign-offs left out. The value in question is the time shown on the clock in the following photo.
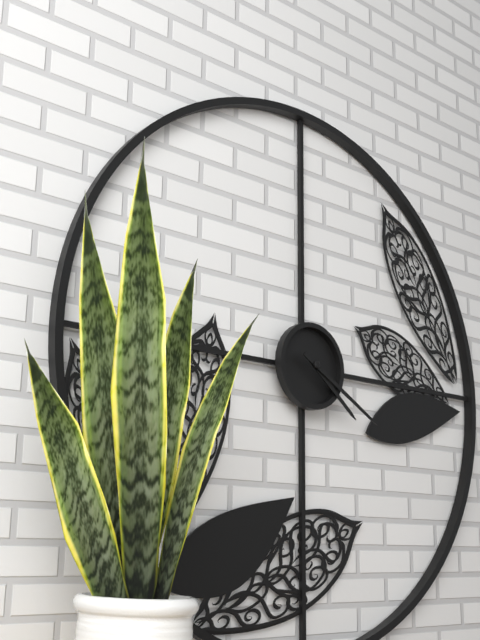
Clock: 4:20
